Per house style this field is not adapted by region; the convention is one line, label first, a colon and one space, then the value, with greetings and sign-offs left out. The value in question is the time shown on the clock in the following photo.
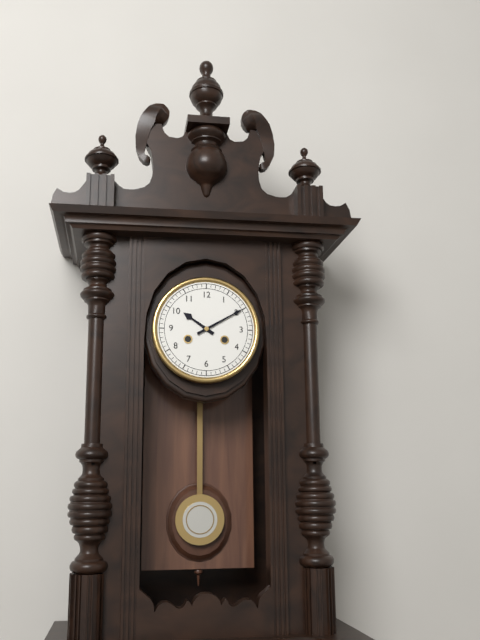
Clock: 10:10
